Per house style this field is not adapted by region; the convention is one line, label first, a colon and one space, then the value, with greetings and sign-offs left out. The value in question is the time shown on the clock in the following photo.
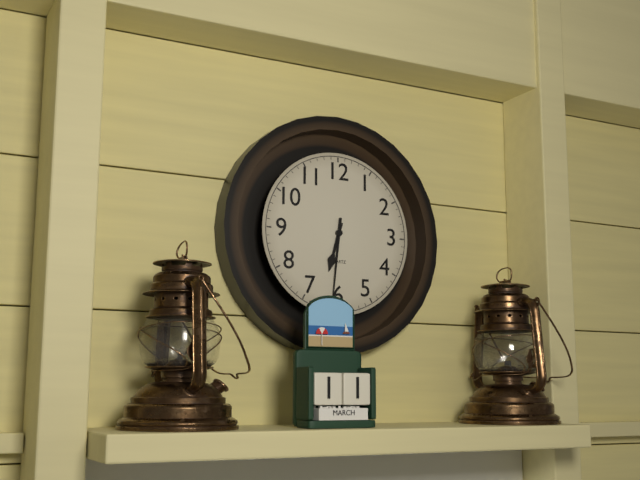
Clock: 6:31
